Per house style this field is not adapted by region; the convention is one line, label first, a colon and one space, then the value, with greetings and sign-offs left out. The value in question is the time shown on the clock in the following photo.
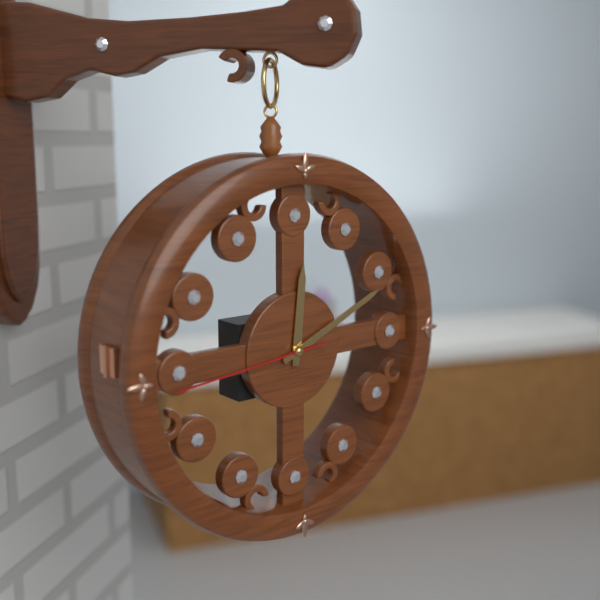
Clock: 12:11:44
